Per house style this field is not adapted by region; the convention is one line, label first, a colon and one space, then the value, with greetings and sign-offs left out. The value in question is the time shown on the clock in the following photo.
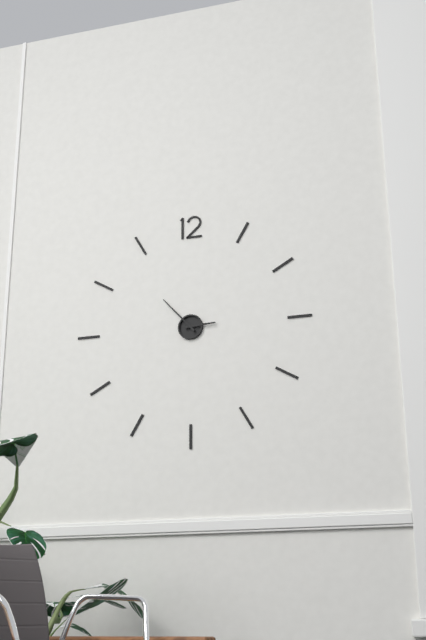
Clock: 2:53
